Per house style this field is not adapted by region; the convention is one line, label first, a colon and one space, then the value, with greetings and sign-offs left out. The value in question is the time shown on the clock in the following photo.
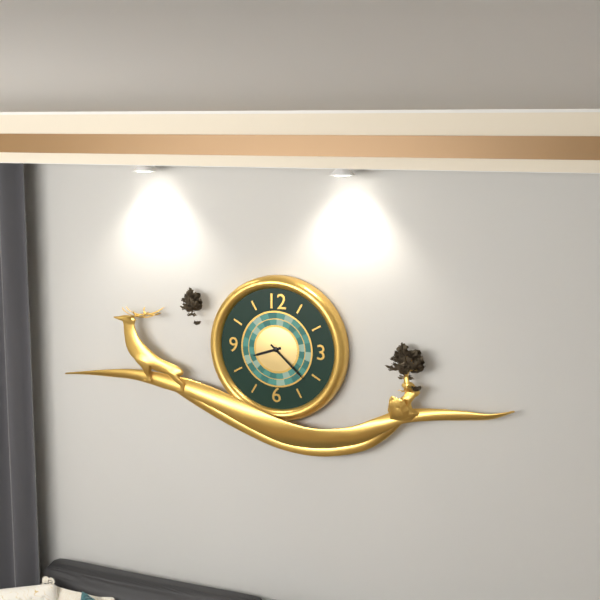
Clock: 8:22
